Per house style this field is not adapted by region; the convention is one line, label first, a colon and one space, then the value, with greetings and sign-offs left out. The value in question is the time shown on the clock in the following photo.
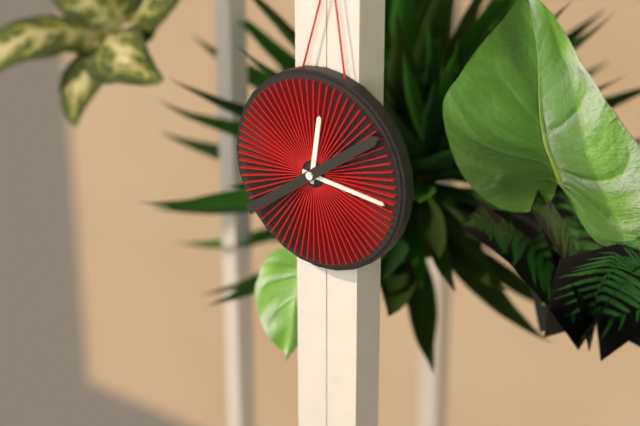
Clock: 12:16:09
